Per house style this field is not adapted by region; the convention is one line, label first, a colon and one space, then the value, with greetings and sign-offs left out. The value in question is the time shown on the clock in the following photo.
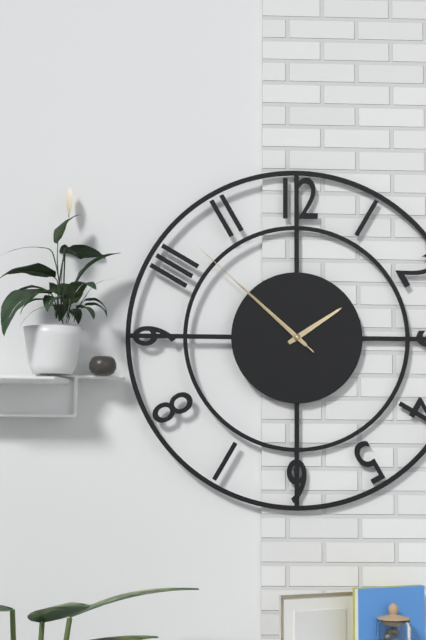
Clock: 1:52:52
